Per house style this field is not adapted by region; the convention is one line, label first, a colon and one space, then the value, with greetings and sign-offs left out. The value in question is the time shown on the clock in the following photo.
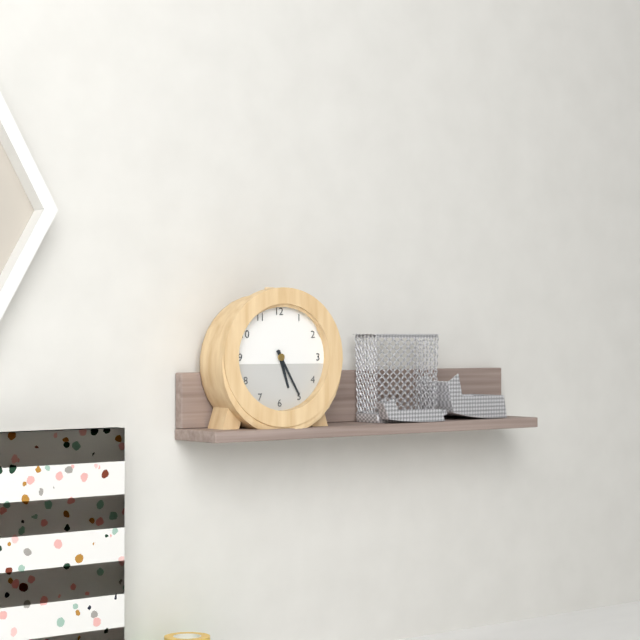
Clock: 5:25
